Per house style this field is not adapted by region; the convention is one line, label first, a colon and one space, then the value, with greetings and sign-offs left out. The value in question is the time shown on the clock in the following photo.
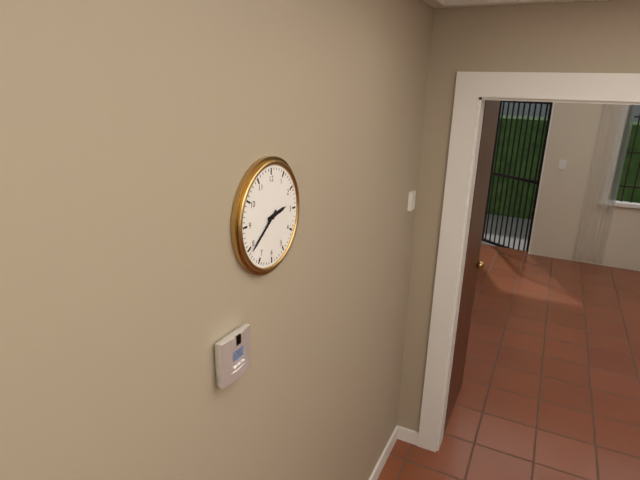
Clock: 2:39
